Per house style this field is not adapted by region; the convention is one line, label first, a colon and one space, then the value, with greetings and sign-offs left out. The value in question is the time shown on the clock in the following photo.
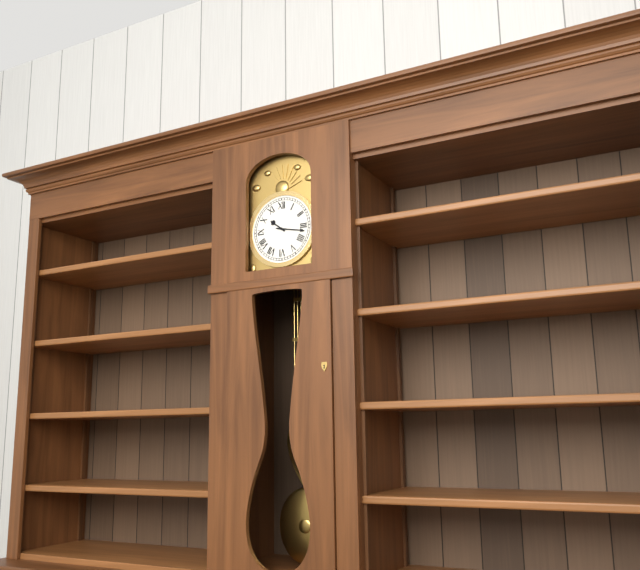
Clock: 10:17
